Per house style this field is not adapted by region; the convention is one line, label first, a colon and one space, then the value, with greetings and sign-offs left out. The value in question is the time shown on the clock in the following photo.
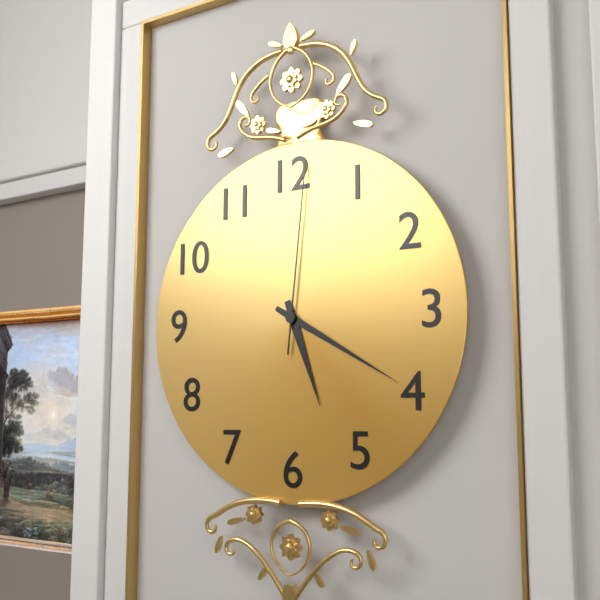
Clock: 5:20:01
